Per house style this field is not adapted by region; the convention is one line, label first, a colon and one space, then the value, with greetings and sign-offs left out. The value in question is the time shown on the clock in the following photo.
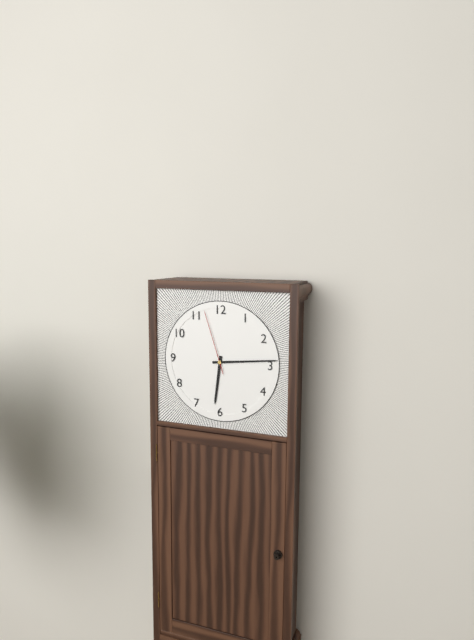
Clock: 6:14:57
